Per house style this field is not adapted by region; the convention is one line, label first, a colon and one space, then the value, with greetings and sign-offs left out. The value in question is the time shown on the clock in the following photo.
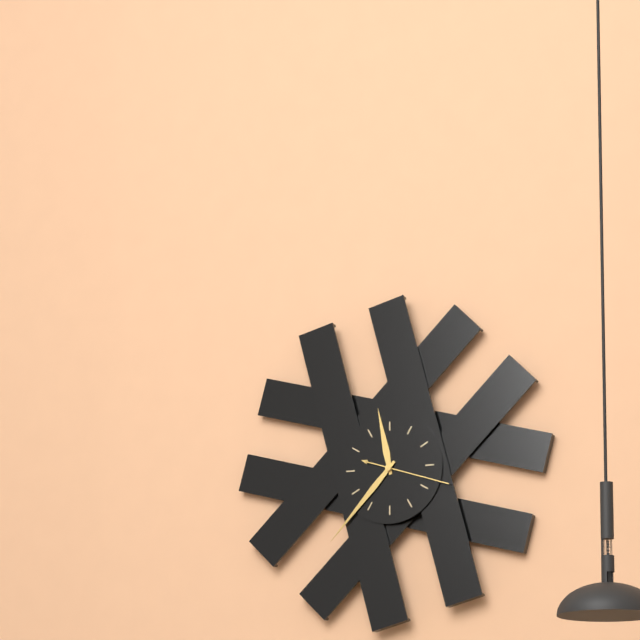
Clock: 11:37:18
